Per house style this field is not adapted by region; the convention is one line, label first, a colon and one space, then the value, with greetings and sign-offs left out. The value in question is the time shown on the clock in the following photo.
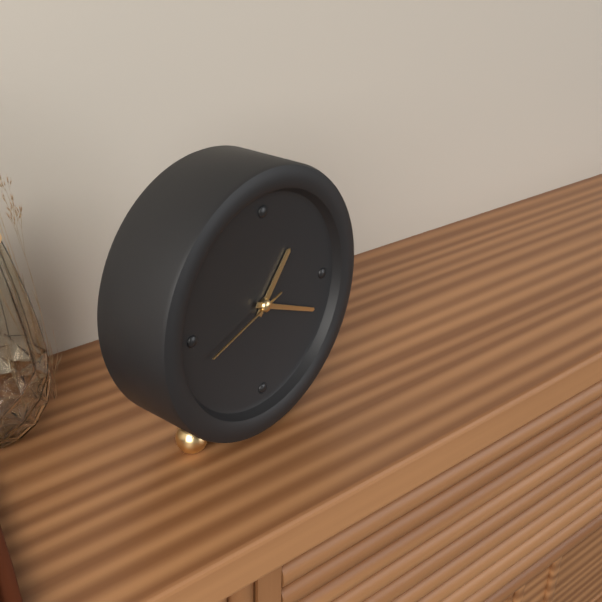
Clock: 1:19:42
